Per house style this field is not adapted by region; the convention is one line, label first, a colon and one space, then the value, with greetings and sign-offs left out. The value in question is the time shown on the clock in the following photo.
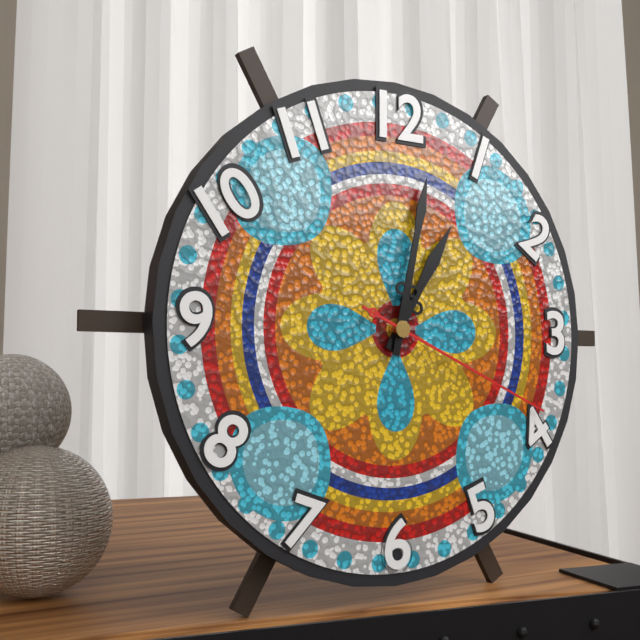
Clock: 1:02:19
